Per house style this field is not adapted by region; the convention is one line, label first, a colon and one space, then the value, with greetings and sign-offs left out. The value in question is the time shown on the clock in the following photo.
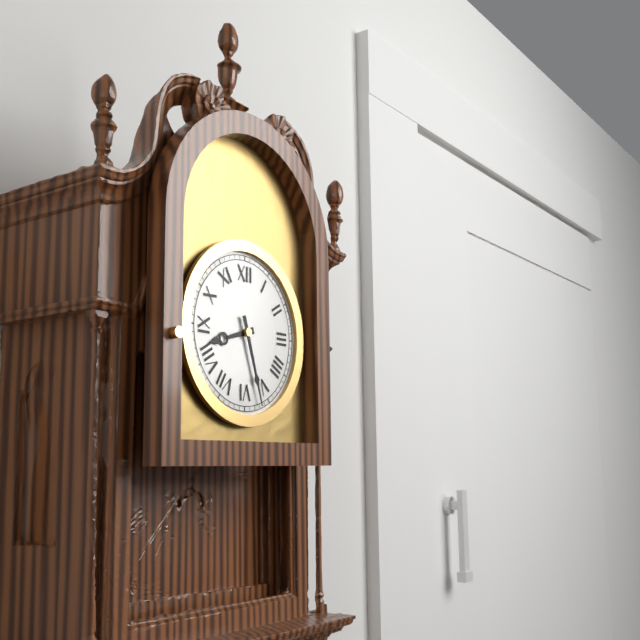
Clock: 8:27
